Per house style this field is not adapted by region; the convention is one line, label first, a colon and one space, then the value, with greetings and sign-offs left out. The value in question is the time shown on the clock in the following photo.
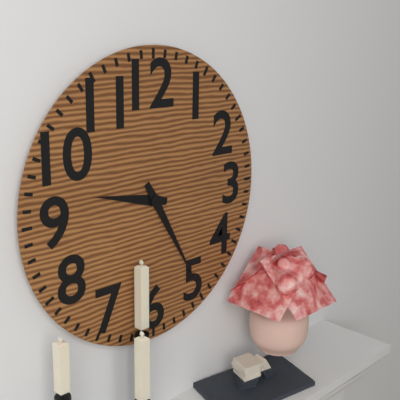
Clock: 9:25
